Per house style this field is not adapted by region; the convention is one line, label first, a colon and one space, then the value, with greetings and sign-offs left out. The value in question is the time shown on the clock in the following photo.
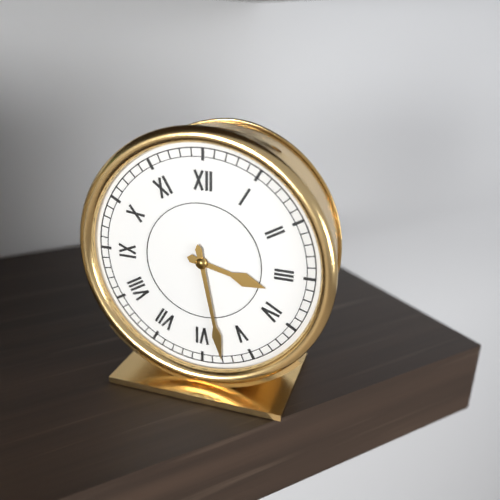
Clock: 3:28
